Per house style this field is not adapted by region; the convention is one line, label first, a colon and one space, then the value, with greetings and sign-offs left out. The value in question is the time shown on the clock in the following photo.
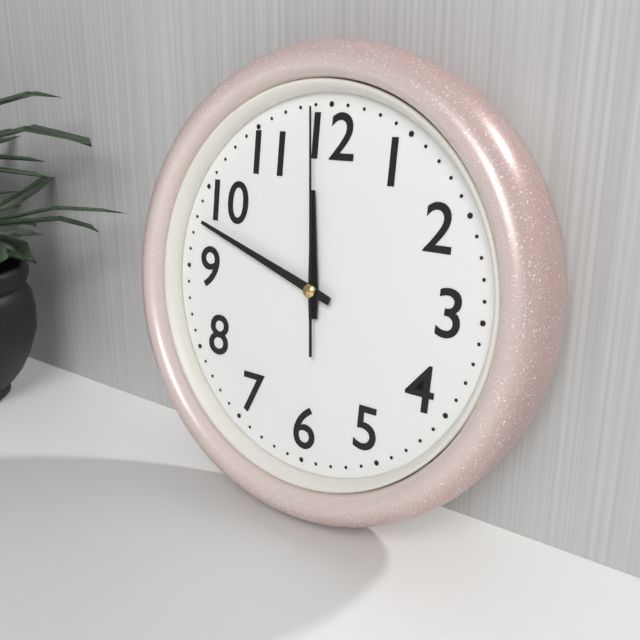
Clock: 11:48:59
